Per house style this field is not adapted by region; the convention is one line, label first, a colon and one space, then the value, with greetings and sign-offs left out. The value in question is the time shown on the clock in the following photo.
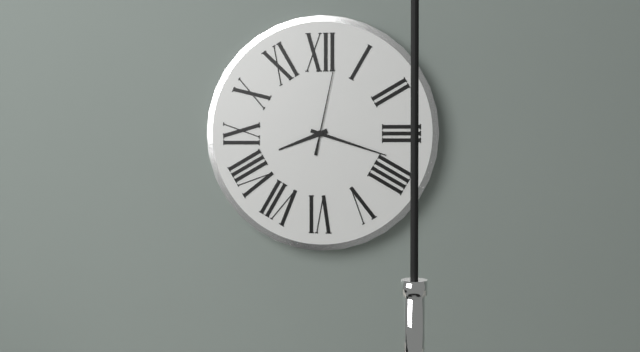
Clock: 8:18:02
